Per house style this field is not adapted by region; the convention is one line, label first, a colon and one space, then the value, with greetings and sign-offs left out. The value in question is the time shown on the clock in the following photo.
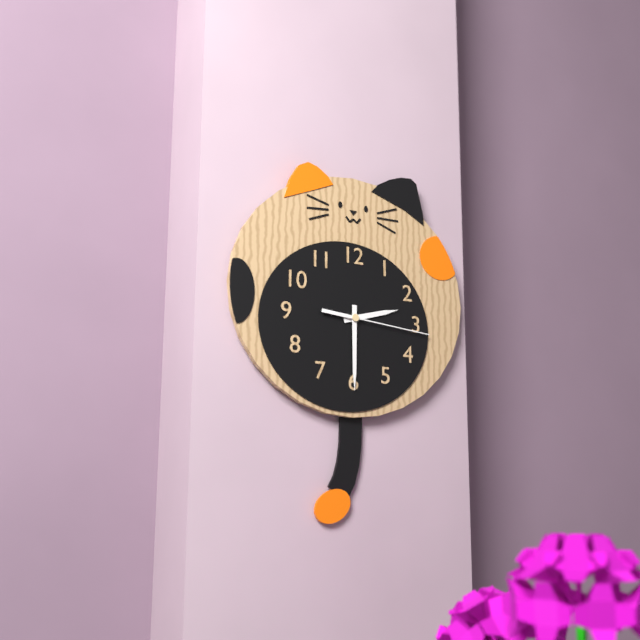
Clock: 2:30:16
